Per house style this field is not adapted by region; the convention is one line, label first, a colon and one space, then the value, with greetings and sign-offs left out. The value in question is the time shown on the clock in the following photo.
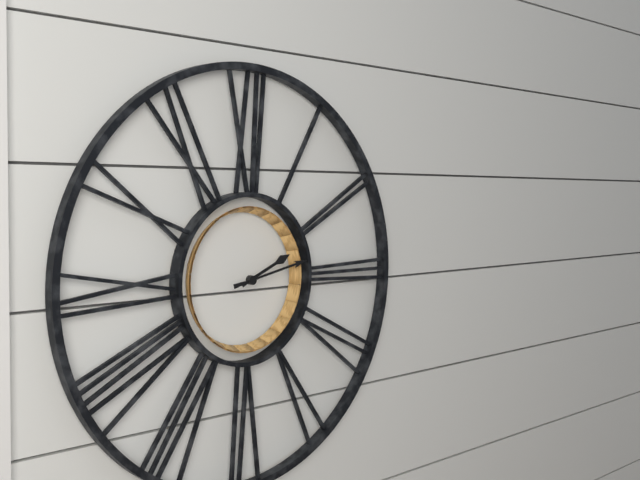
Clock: 2:13
